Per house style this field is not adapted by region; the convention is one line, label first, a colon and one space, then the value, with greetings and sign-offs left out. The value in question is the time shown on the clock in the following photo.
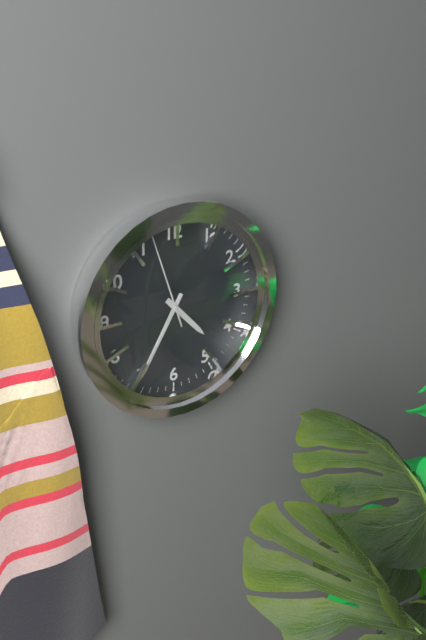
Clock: 4:35:57
